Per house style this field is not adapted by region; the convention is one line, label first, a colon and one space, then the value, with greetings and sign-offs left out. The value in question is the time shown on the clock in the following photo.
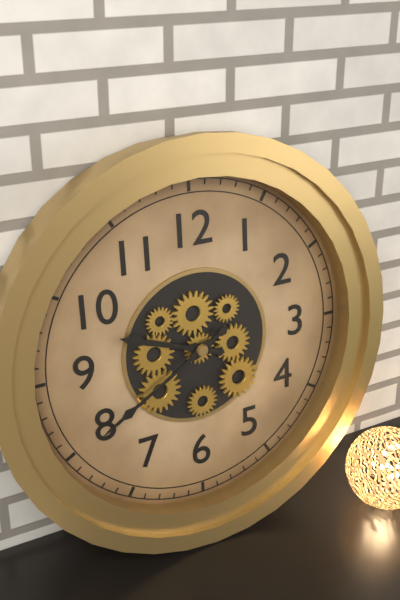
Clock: 9:40
